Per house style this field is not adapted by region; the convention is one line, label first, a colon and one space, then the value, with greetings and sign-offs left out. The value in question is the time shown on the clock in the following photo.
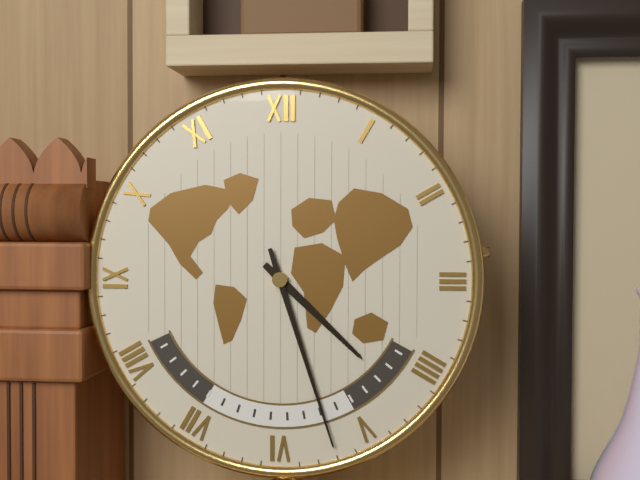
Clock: 4:27
